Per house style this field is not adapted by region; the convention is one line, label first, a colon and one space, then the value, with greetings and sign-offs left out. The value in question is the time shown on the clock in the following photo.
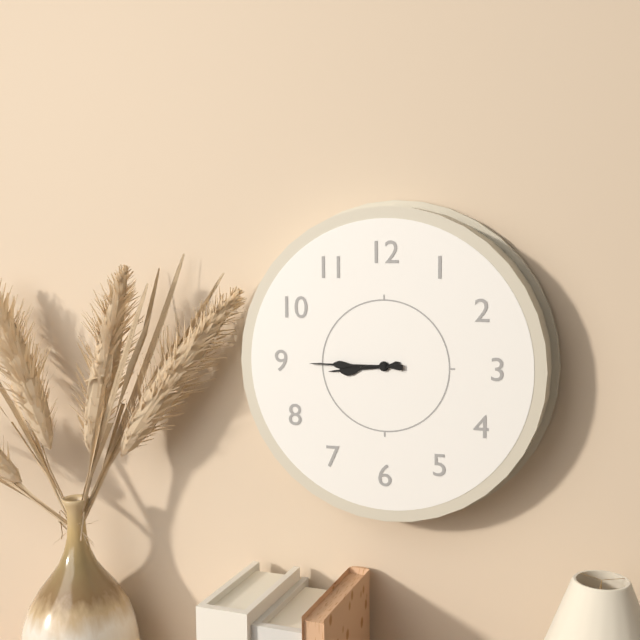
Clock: 8:45
